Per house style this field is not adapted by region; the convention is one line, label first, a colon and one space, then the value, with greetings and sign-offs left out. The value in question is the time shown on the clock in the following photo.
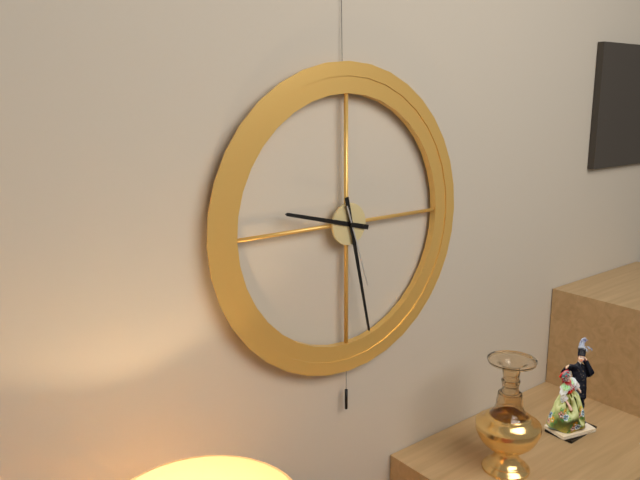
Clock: 9:28:27
